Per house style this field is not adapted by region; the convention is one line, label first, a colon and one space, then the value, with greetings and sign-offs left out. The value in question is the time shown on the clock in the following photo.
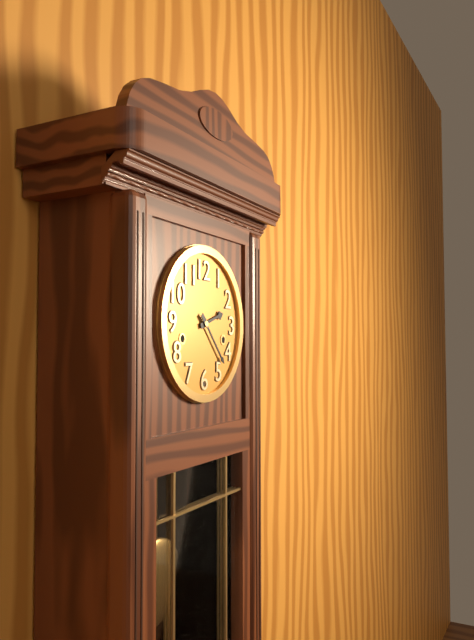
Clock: 2:23
